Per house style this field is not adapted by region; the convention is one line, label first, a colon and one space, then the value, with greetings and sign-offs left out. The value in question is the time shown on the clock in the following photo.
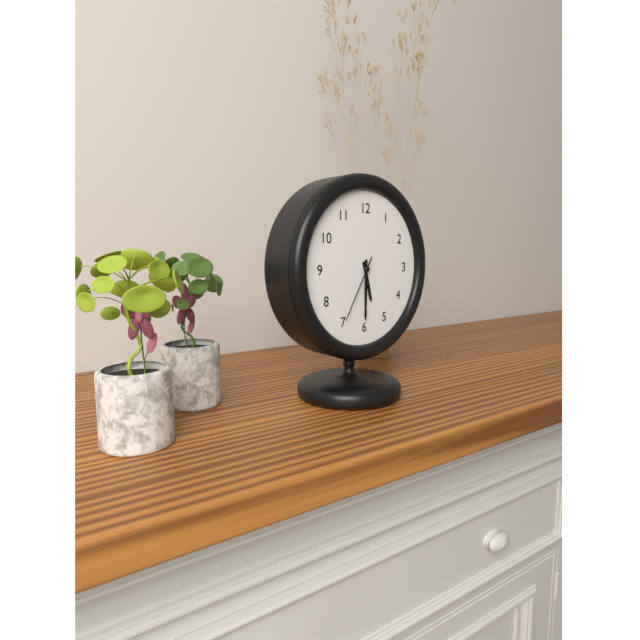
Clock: 5:30:35
